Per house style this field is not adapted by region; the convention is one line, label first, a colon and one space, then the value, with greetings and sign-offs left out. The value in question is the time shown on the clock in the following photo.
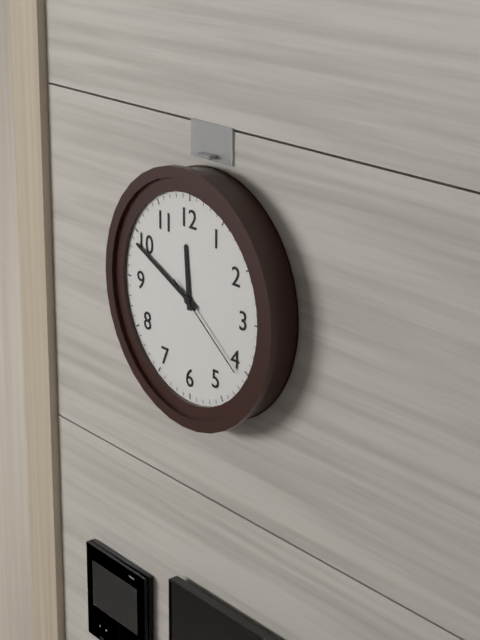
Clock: 11:49:21
